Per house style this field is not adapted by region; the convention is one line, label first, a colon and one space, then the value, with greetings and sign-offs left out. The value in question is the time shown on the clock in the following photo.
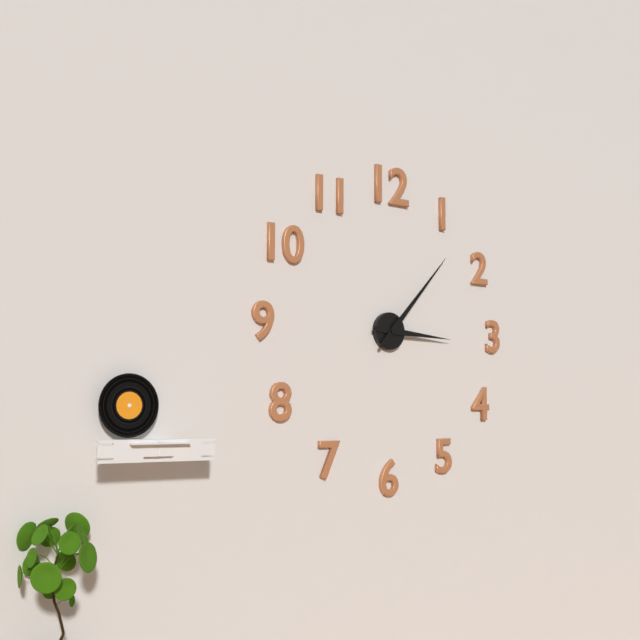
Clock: 3:07
